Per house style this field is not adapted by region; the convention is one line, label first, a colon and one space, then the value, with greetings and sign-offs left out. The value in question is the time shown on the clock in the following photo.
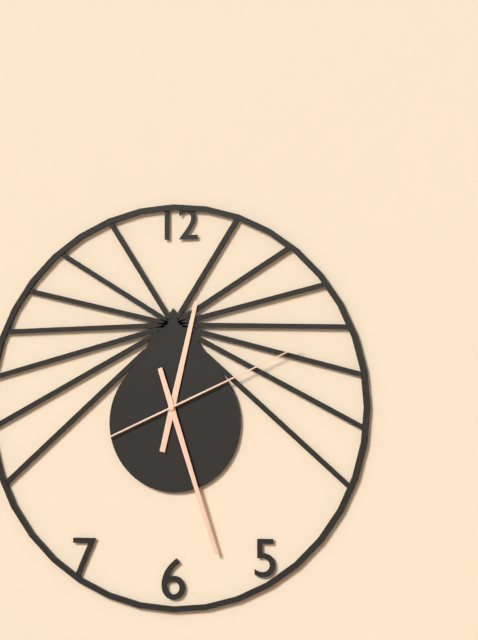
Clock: 12:27:11
